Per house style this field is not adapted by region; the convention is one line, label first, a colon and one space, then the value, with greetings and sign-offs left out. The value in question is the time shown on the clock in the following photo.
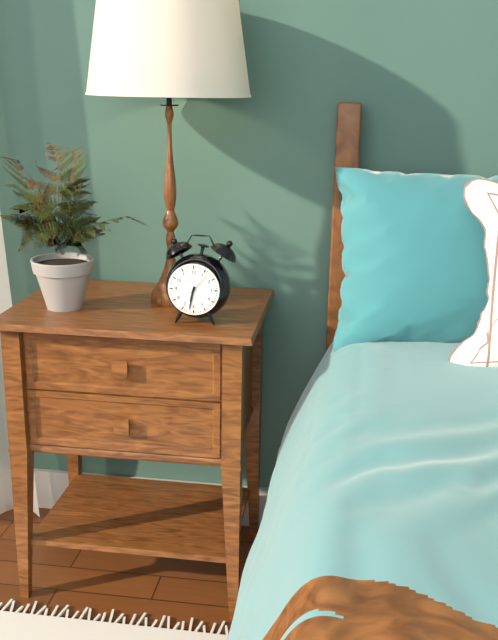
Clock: 6:32
